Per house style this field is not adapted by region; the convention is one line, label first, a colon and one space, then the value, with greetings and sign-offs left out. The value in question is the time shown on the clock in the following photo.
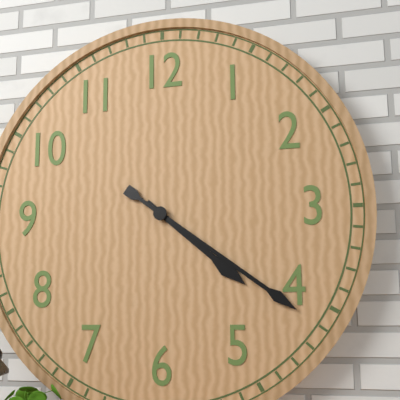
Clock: 4:21
